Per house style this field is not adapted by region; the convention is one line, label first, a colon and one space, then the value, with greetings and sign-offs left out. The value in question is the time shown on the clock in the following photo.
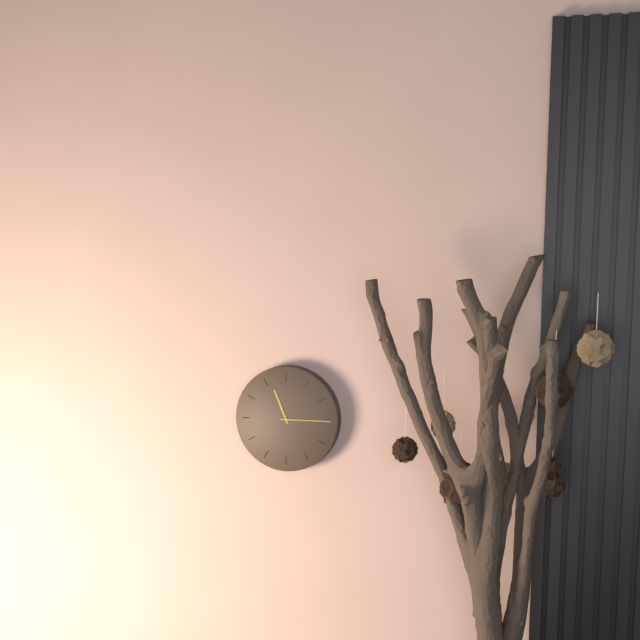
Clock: 11:15
